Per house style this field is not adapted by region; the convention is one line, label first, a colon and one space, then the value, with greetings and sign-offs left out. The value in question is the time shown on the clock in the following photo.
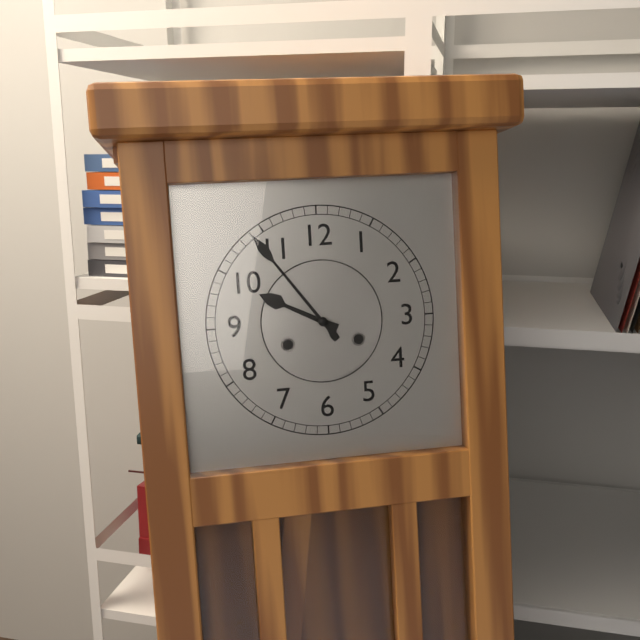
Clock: 9:54
